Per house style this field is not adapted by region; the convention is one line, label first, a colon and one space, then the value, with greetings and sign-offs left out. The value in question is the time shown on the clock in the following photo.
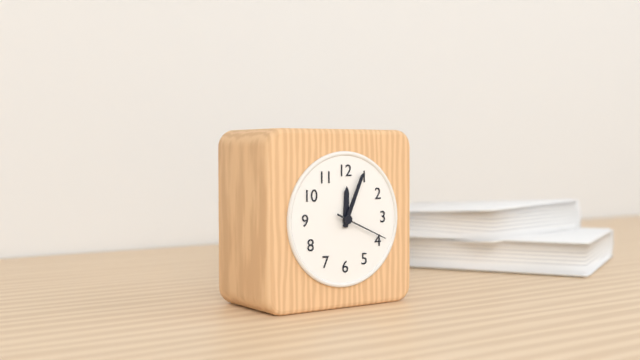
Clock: 12:04:19
